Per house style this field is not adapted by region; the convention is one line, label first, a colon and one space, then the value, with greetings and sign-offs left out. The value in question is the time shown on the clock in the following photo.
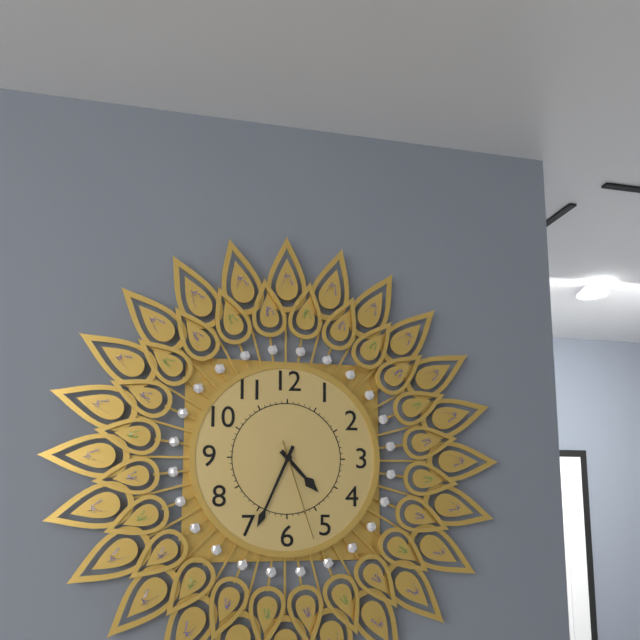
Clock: 4:34:27
